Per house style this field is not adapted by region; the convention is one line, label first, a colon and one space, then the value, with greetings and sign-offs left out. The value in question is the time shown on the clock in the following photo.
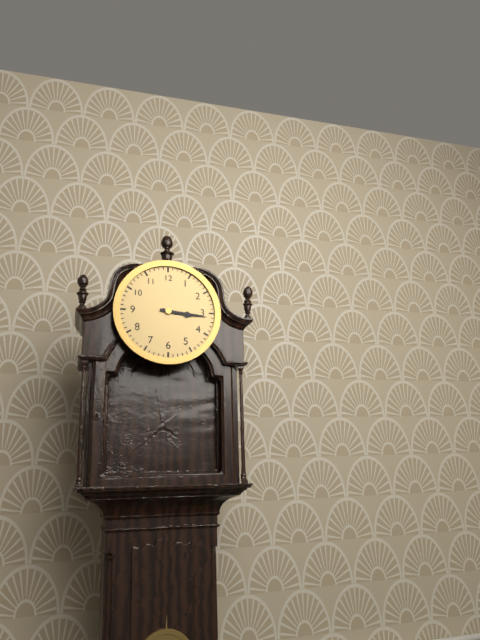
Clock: 3:16
